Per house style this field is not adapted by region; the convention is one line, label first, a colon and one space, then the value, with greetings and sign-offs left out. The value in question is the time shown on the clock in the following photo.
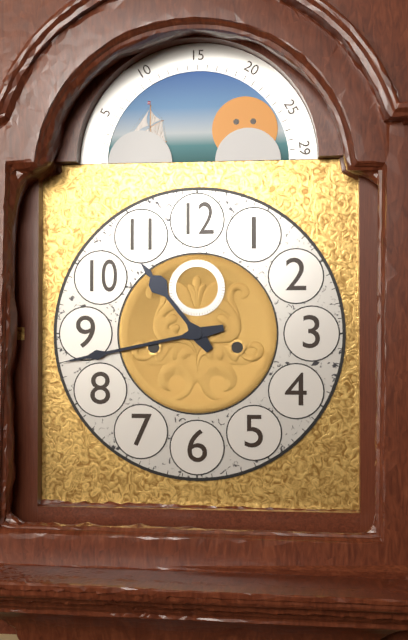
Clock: 10:43
